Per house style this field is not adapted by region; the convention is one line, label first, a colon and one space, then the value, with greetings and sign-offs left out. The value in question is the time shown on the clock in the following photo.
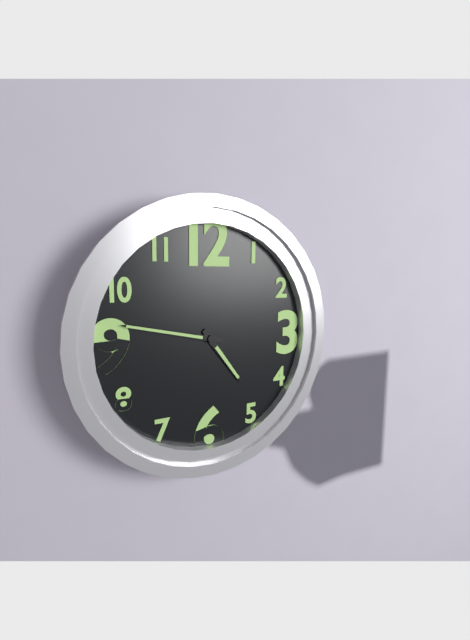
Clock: 4:47
